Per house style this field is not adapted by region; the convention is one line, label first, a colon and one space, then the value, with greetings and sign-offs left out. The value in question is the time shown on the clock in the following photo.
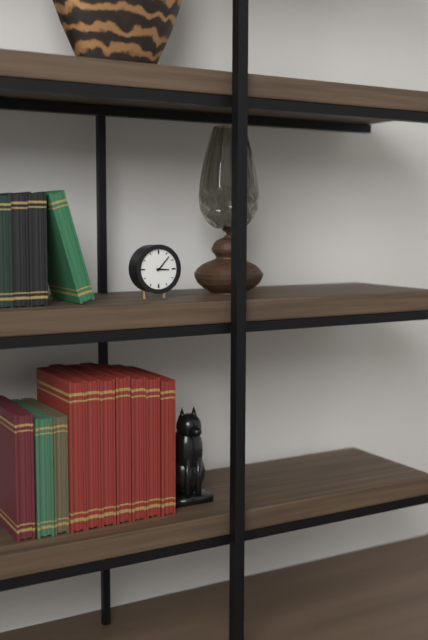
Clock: 3:07
